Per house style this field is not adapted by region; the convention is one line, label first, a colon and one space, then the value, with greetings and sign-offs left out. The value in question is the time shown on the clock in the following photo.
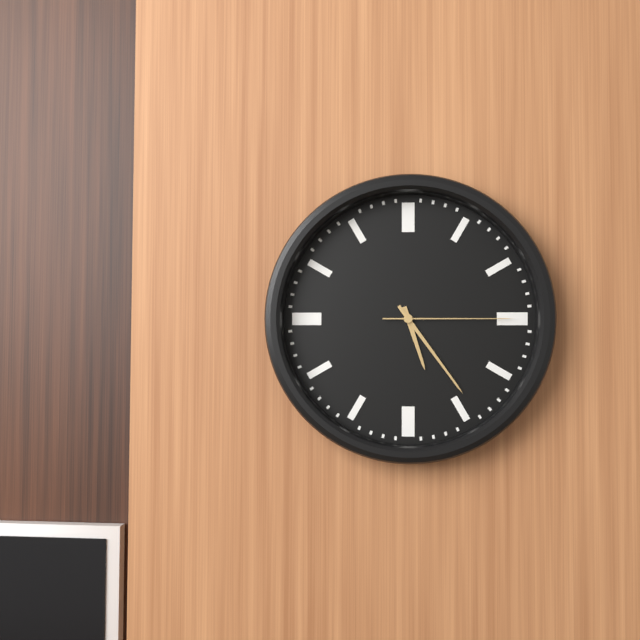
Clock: 5:24:15
